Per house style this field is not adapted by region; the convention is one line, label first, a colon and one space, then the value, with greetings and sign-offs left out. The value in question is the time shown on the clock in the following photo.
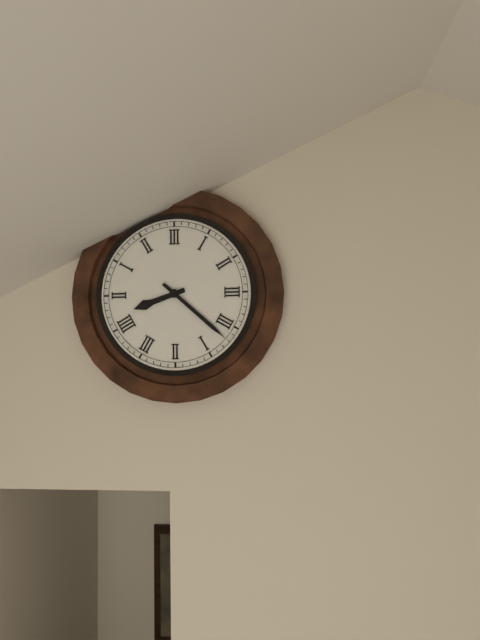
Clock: 8:22
